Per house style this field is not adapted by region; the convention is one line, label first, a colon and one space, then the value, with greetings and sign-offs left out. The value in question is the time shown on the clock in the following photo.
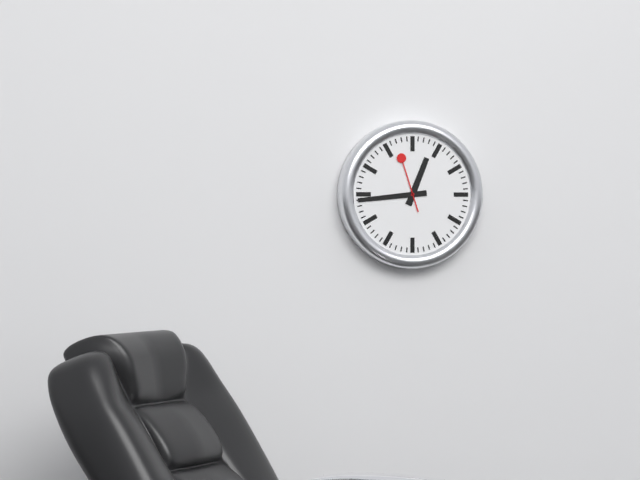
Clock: 12:44:57
